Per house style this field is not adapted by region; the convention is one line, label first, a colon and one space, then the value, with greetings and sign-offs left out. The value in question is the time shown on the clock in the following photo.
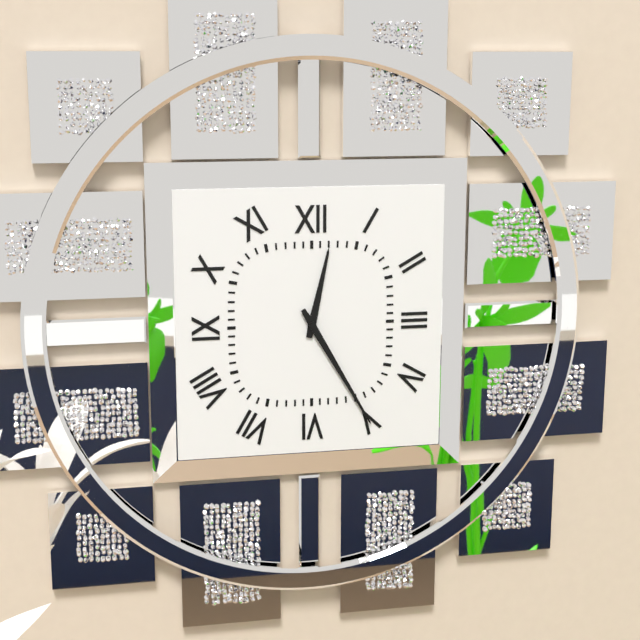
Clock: 12:25
